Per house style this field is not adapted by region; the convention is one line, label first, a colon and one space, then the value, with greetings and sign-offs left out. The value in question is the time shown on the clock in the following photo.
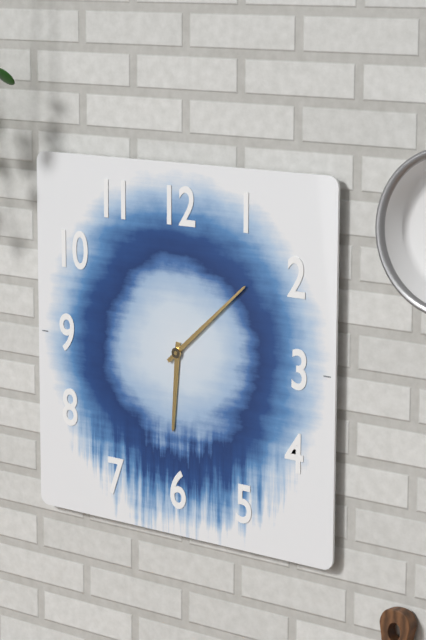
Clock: 6:08
